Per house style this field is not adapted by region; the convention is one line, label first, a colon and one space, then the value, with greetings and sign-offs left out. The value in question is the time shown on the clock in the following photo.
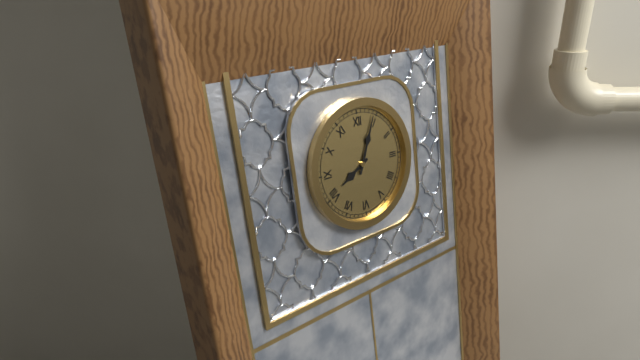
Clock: 8:04
